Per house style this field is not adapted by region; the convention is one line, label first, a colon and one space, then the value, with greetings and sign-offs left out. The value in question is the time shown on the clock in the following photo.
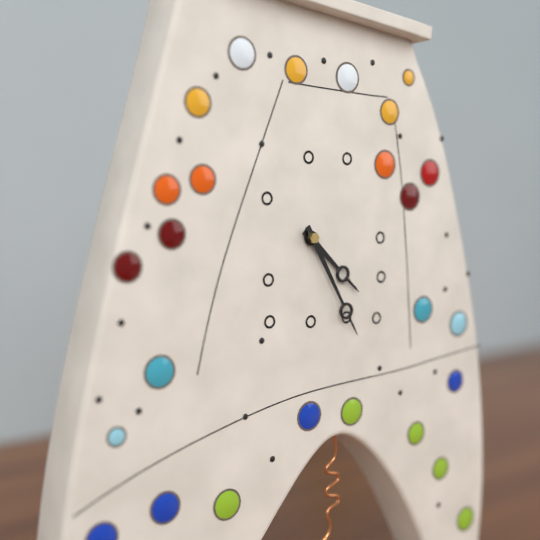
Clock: 4:25
